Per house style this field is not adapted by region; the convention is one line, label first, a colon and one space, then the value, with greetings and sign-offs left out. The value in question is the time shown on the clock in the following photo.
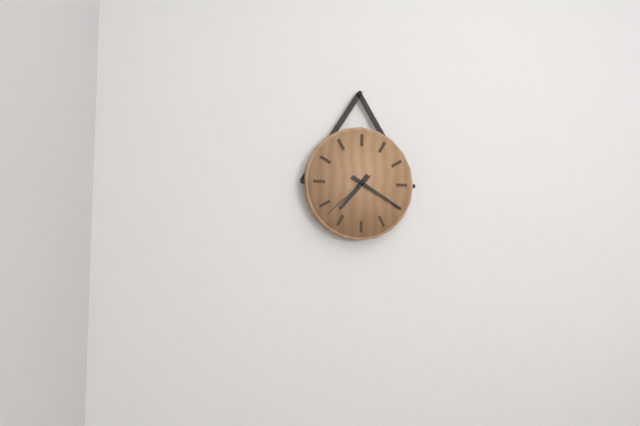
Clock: 7:20:38
